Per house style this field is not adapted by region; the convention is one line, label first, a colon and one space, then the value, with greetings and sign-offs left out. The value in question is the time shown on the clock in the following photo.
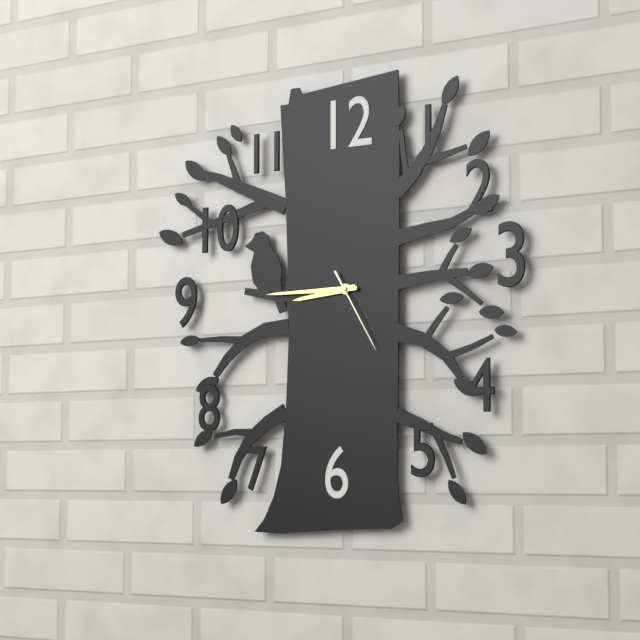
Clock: 8:45:25
